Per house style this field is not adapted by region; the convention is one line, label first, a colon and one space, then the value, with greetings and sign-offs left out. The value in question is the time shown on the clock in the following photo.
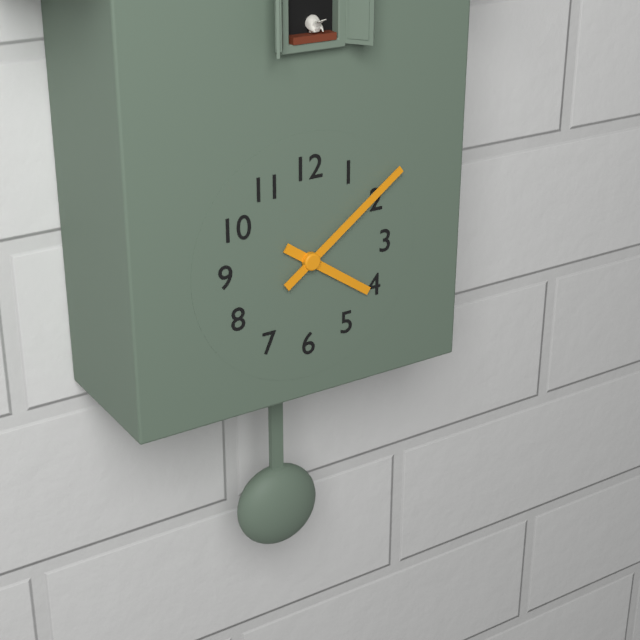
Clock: 4:09
